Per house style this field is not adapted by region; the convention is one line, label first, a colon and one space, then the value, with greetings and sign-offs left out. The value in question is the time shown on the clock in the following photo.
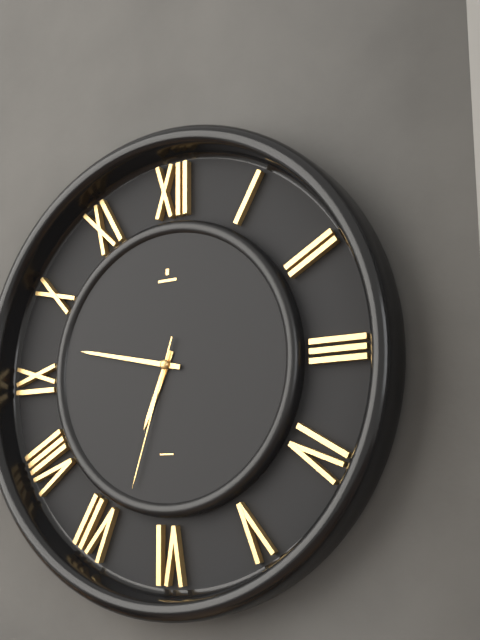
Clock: 6:47:33
